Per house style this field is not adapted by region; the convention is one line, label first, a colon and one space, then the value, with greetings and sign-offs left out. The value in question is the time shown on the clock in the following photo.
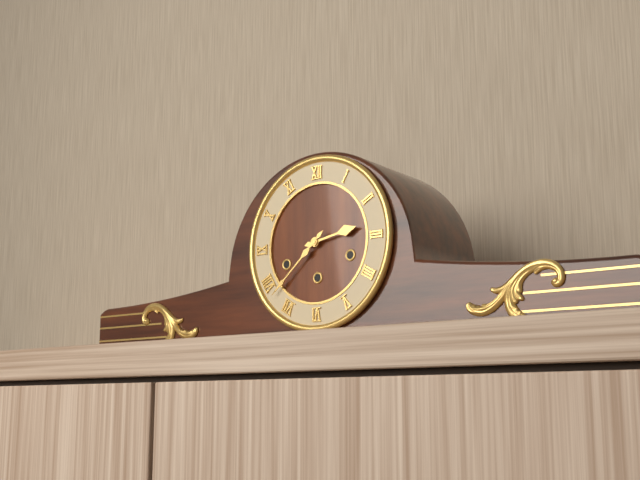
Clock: 2:38
